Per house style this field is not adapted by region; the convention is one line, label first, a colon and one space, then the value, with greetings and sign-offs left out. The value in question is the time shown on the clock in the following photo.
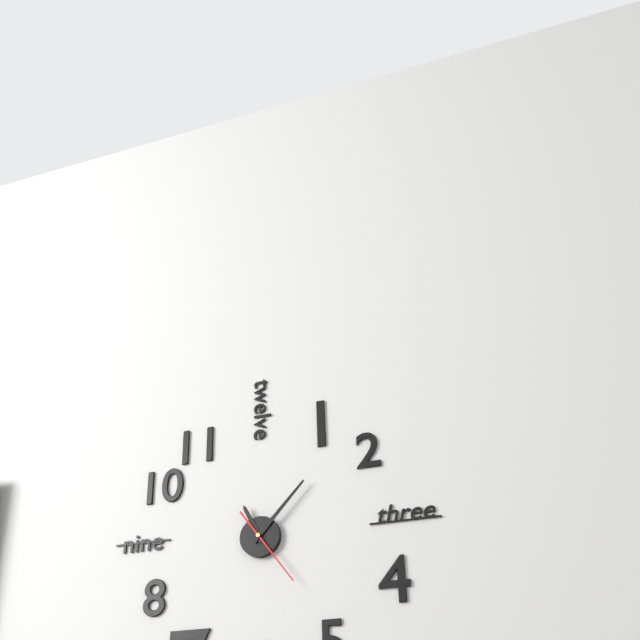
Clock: 11:07:24
